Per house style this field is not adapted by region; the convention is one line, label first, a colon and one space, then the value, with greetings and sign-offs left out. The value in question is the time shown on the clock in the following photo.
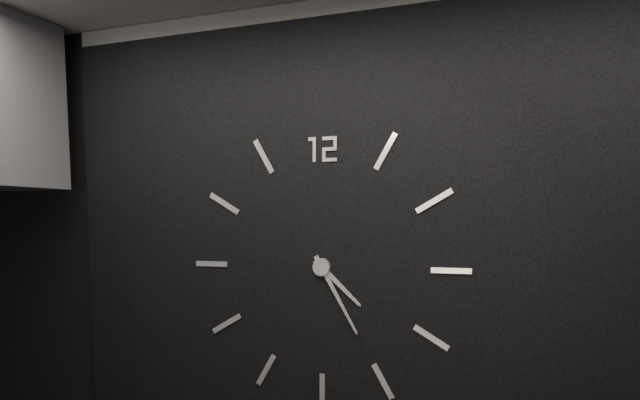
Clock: 4:25
